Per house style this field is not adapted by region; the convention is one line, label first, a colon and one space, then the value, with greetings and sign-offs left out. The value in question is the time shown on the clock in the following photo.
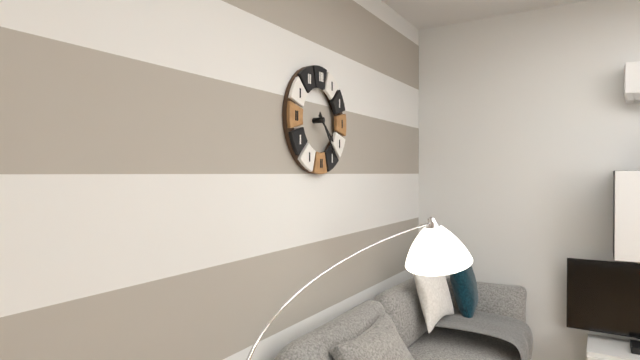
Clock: 4:24
